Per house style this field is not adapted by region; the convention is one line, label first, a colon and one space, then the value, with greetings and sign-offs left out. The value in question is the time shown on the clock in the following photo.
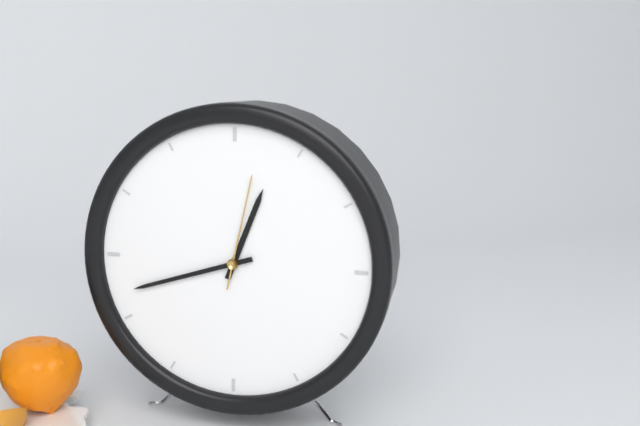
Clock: 12:42:02
